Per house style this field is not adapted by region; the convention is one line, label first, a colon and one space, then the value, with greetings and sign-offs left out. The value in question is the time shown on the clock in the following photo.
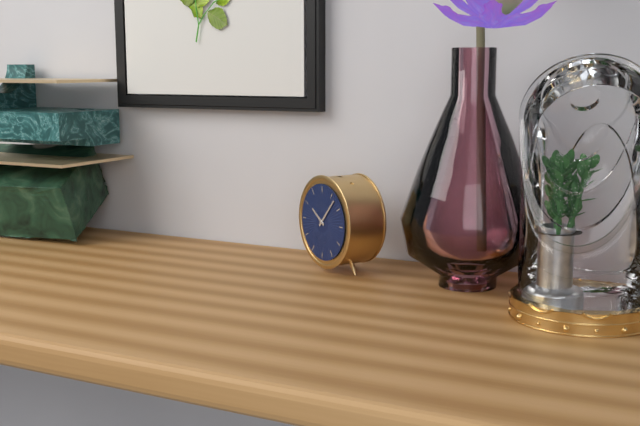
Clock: 10:07
